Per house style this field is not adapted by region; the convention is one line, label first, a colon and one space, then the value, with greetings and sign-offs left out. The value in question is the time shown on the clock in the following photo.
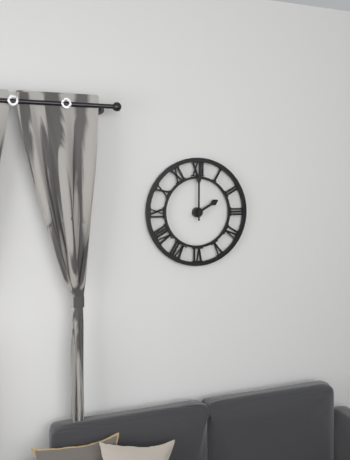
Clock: 2:00
